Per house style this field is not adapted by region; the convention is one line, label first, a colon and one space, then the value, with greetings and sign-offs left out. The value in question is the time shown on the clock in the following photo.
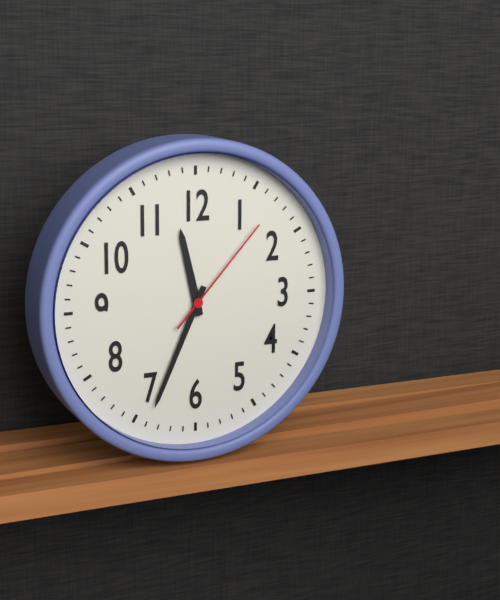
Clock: 11:34:07
